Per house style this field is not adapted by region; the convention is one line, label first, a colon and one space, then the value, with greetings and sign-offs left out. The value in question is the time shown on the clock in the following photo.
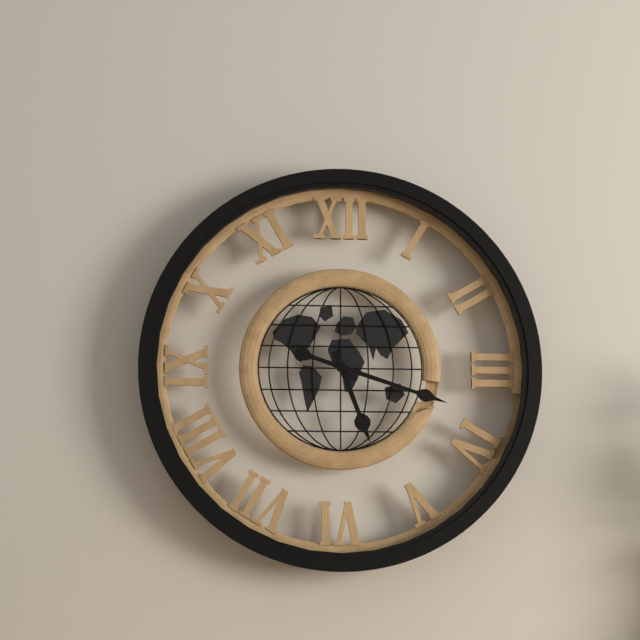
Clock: 5:18
